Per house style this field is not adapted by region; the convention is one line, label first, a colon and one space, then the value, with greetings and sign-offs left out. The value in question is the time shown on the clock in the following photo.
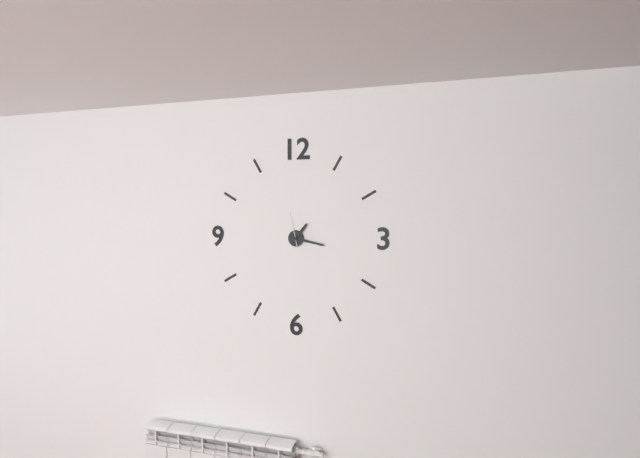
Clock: 1:17
